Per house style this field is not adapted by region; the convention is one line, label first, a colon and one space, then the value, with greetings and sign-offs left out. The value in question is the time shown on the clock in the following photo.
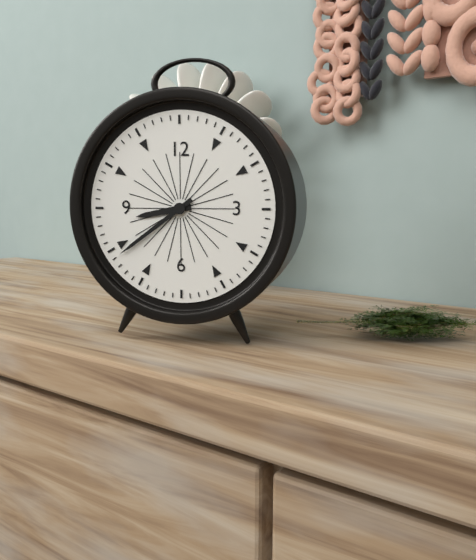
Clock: 8:39
